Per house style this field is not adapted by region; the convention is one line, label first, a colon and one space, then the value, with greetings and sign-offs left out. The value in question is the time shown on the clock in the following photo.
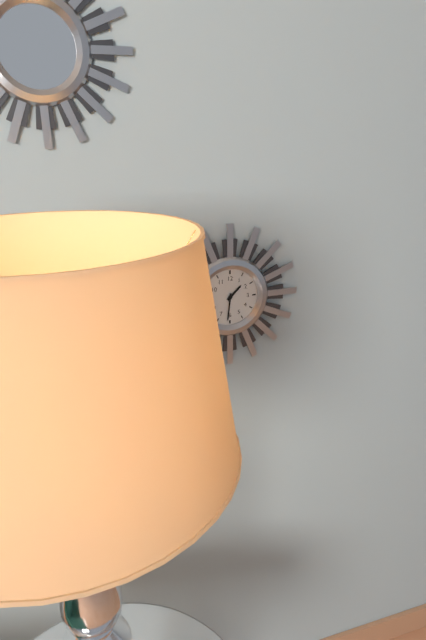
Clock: 1:31
